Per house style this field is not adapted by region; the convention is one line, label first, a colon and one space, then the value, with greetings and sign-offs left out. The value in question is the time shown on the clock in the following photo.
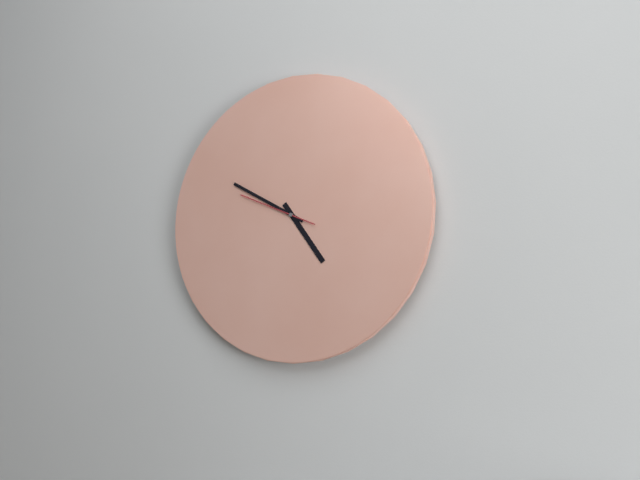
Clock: 4:50:49
